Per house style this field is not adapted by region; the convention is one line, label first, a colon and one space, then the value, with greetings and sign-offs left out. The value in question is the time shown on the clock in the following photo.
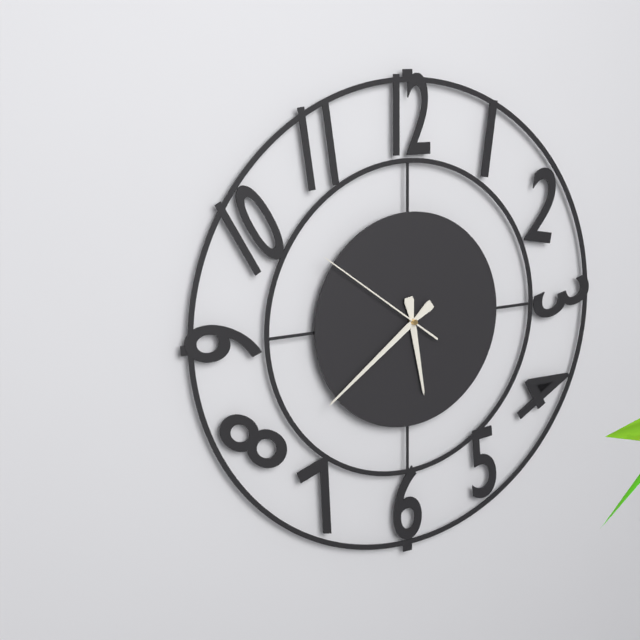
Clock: 5:39:51
